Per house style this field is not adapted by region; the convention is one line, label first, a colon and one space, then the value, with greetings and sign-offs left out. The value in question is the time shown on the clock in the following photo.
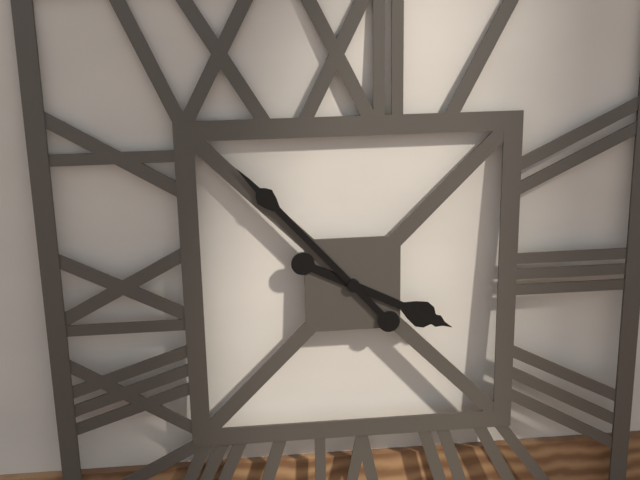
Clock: 3:53
